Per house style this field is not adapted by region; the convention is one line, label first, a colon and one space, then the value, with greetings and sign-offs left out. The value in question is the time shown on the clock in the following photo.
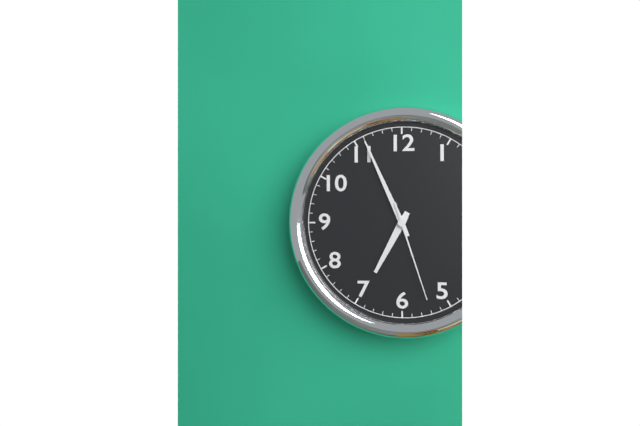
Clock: 6:56:27
